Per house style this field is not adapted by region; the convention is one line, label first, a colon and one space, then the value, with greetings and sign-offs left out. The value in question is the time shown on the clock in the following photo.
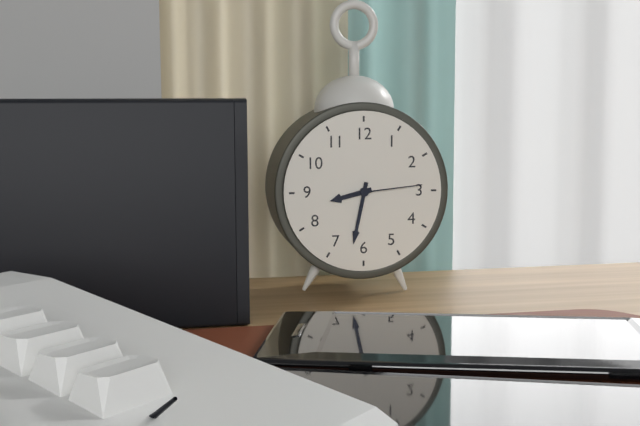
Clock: 8:32:14
